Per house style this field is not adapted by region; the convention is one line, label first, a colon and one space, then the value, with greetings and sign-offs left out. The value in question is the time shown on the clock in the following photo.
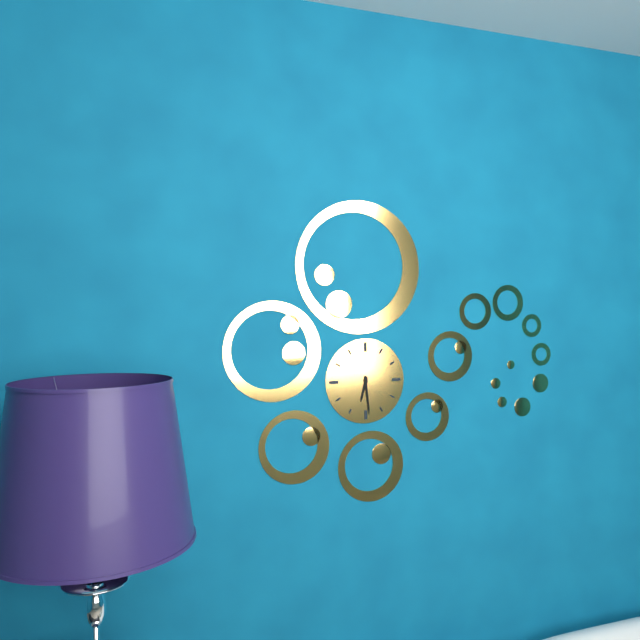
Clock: 6:29
